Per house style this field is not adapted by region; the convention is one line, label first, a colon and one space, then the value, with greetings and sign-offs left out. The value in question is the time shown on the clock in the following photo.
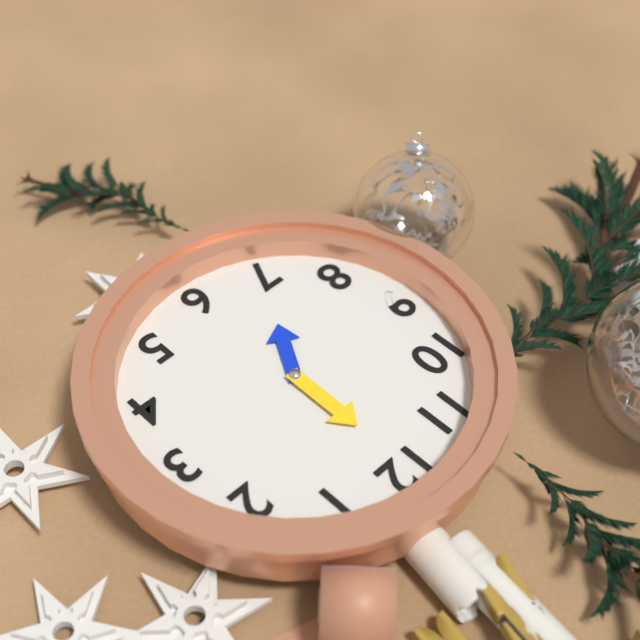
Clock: 7:00
